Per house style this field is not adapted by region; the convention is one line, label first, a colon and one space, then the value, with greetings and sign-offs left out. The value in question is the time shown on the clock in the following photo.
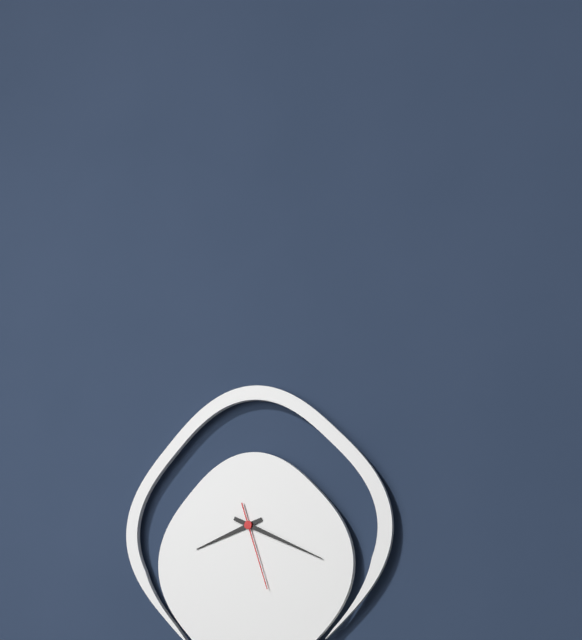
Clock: 8:19:27
